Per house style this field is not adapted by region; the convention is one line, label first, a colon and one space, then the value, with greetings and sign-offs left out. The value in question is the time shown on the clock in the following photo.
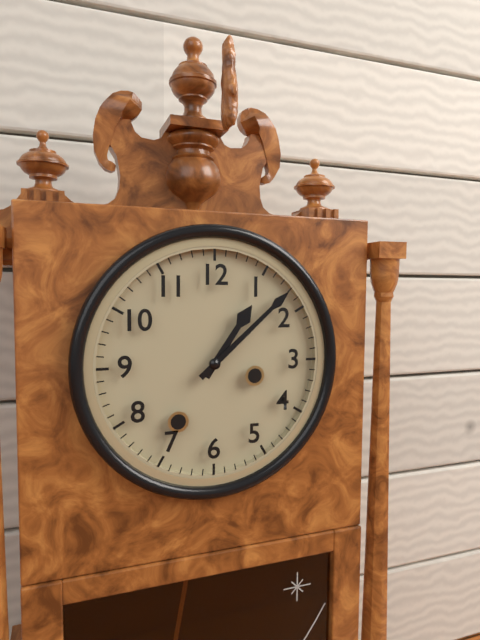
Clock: 1:08
